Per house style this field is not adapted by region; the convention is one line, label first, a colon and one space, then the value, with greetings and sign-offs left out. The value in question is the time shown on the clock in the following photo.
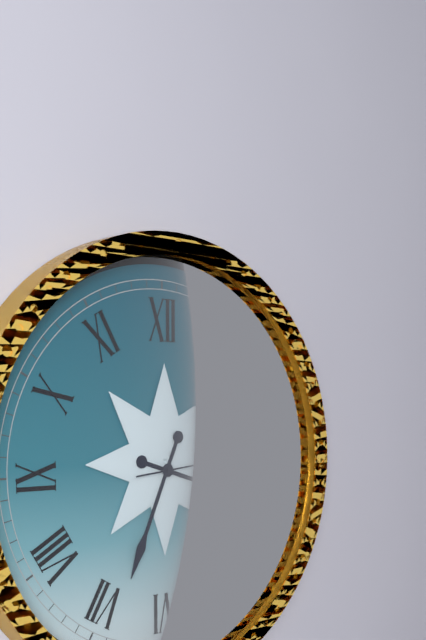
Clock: 3:34:14
